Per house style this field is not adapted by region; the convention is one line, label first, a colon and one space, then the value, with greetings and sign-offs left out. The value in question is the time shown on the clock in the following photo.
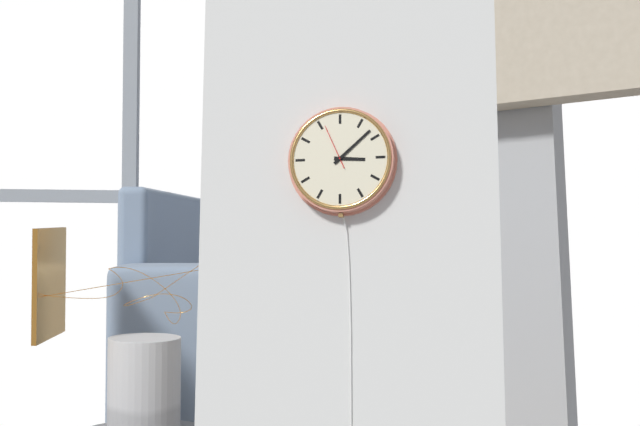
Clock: 3:08
